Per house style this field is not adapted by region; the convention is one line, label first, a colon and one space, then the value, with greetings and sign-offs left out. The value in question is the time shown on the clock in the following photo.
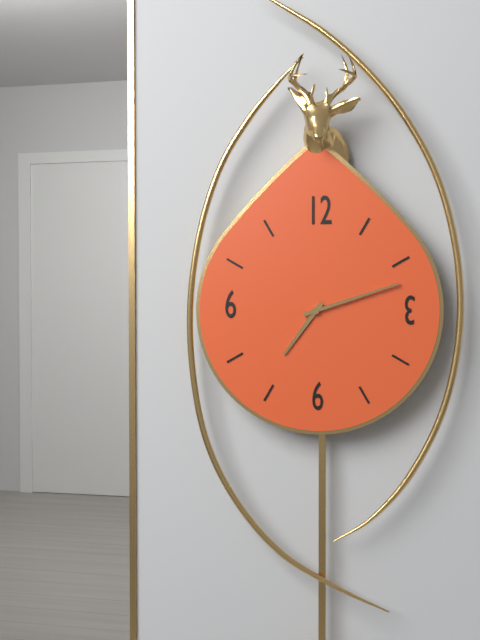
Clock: 7:12
